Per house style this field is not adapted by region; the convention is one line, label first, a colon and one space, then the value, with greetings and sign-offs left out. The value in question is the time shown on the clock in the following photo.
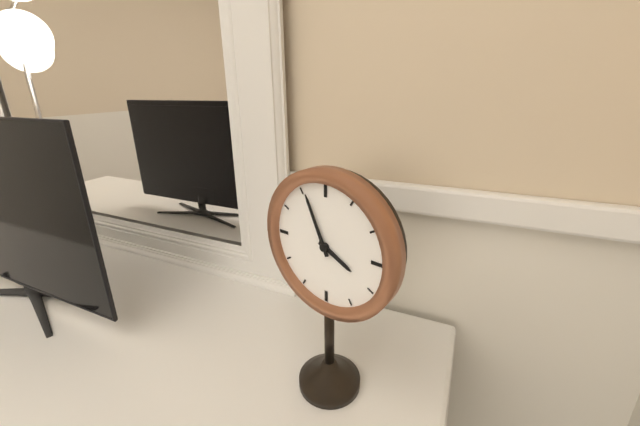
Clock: 3:56
